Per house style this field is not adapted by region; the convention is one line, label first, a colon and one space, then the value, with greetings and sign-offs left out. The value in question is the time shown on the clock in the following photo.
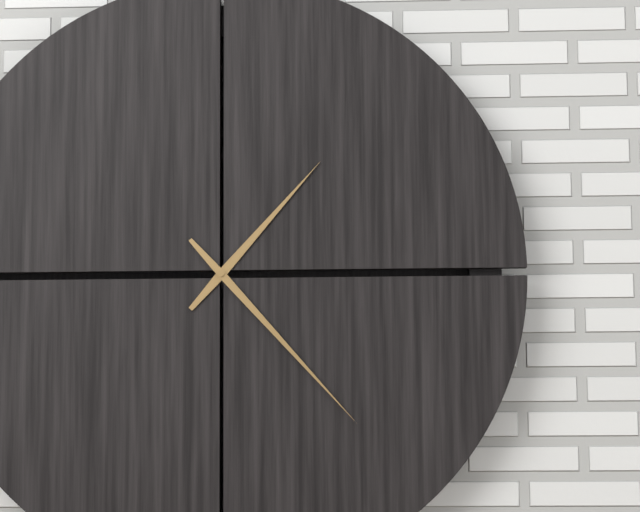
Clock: 1:23
